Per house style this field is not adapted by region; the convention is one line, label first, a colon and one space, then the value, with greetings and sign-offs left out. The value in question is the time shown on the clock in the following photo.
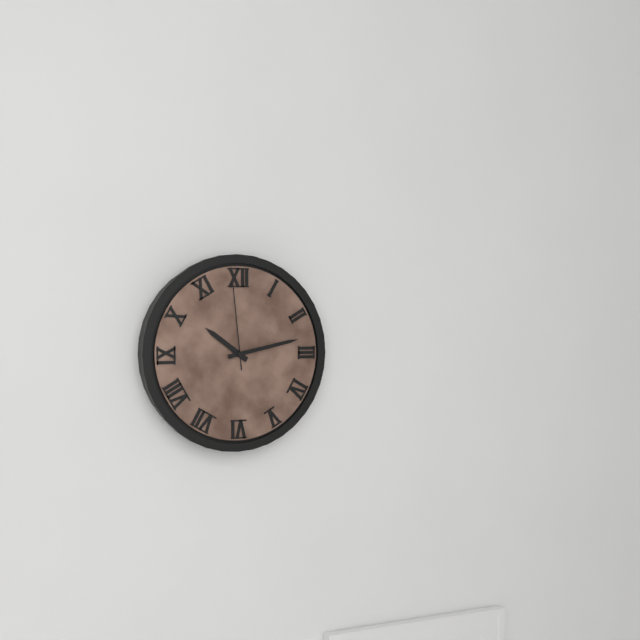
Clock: 10:13:59
